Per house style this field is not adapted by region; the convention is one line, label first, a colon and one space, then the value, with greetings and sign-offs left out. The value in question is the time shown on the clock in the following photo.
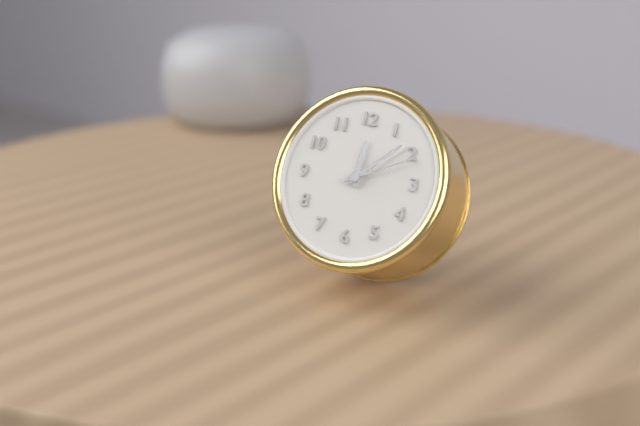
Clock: 12:08:11
